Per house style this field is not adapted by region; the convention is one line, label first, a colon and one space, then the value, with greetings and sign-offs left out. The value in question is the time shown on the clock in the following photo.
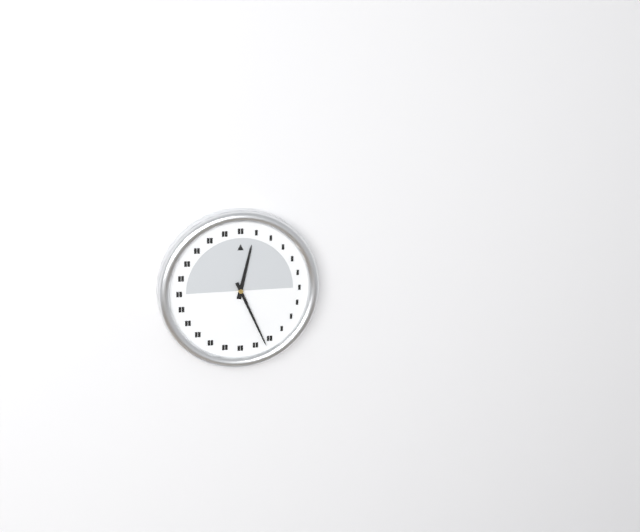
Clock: 12:26
